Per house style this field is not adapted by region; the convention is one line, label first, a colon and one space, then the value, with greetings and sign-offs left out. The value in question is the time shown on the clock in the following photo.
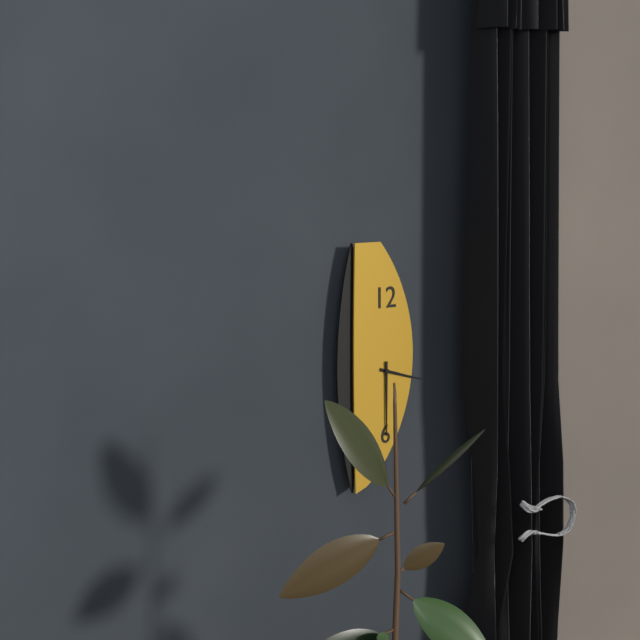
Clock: 3:30
